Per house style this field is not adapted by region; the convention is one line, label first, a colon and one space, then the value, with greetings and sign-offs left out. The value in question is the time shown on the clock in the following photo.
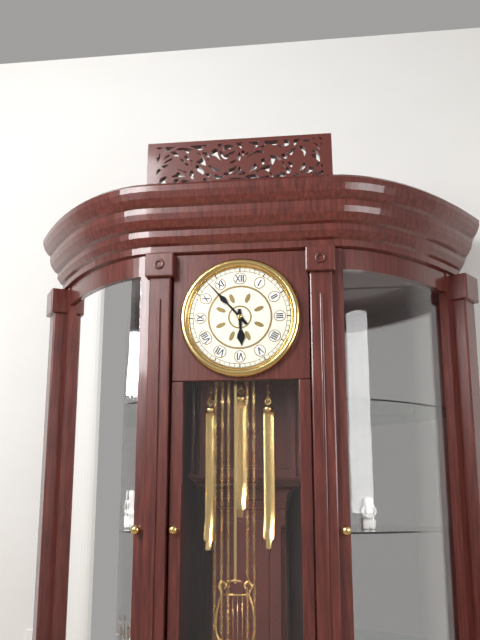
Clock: 5:53
